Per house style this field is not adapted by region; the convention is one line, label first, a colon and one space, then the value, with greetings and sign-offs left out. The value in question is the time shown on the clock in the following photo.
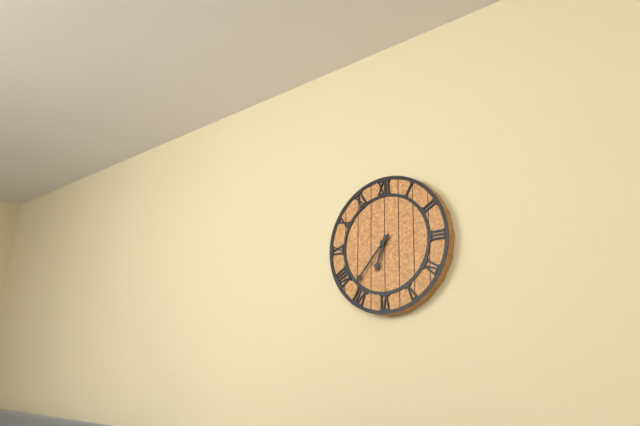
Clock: 6:37
